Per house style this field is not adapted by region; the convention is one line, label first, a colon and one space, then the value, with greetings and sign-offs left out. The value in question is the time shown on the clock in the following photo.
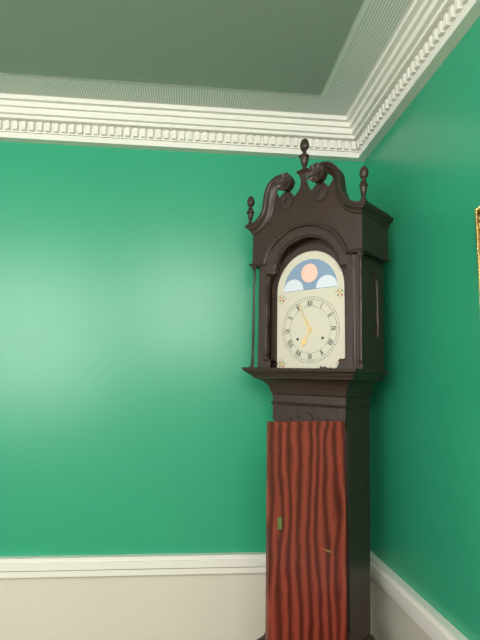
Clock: 6:56
